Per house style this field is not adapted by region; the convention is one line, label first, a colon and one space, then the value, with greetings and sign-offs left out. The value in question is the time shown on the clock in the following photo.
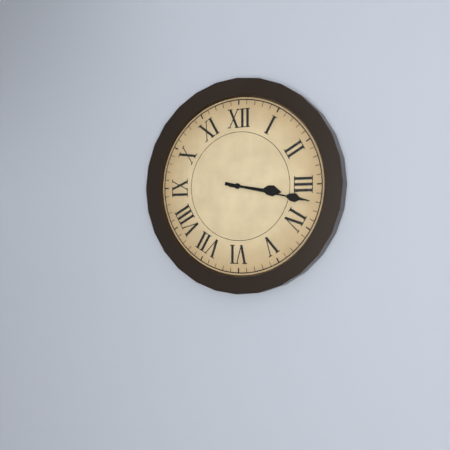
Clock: 3:17
